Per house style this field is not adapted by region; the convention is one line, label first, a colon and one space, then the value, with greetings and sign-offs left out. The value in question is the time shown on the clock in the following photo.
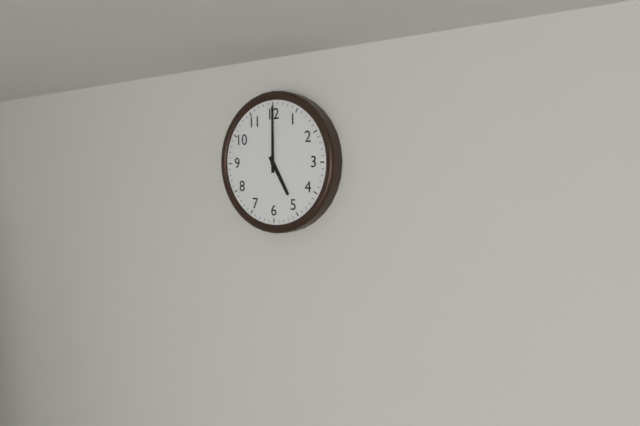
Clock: 5:00
